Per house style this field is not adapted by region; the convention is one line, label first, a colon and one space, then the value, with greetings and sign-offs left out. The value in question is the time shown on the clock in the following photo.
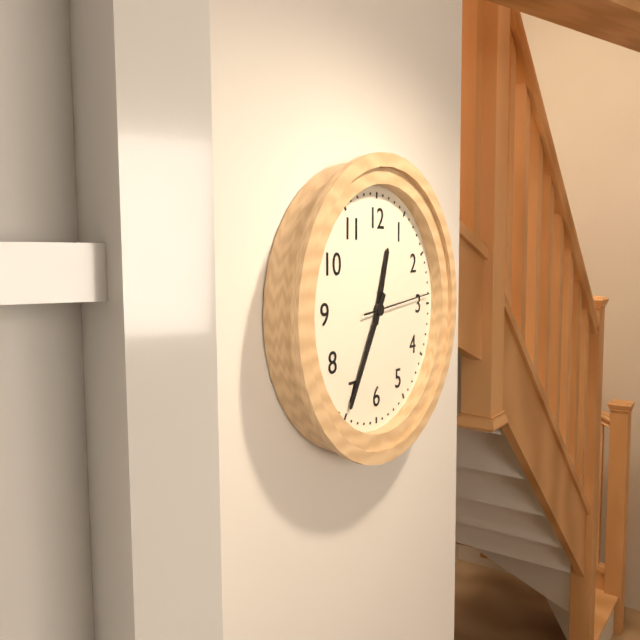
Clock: 12:35:14
